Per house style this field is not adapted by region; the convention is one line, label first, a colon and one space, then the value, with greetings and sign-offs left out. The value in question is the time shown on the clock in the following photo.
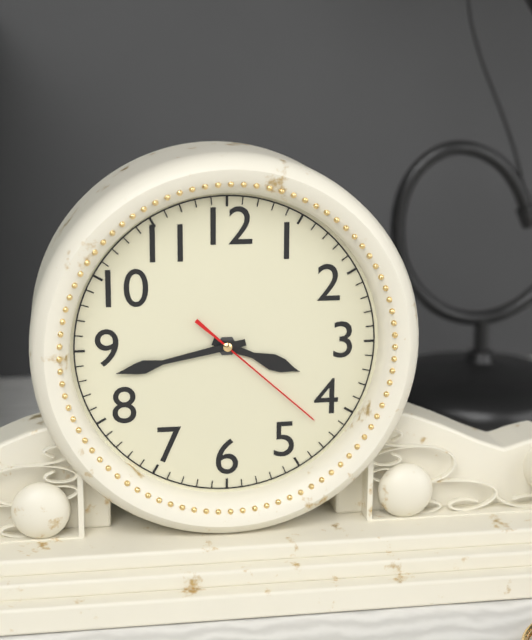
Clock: 3:43:22
